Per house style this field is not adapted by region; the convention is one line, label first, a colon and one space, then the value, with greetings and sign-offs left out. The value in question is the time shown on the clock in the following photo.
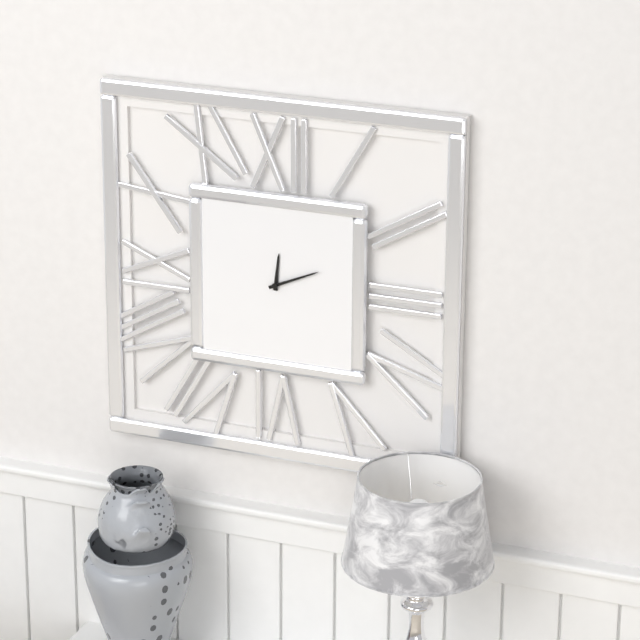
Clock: 12:11
